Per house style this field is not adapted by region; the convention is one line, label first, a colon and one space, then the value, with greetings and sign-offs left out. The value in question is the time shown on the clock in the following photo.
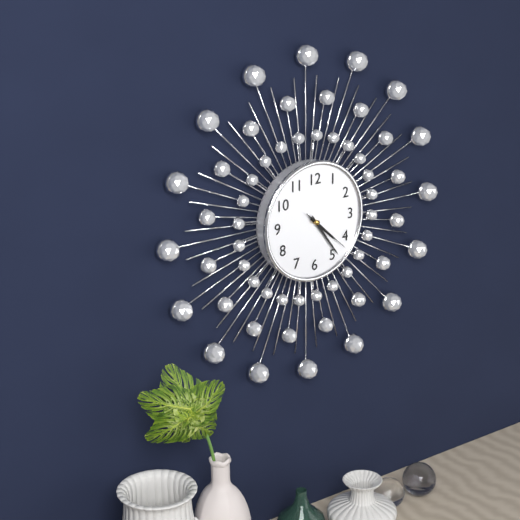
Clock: 4:24
